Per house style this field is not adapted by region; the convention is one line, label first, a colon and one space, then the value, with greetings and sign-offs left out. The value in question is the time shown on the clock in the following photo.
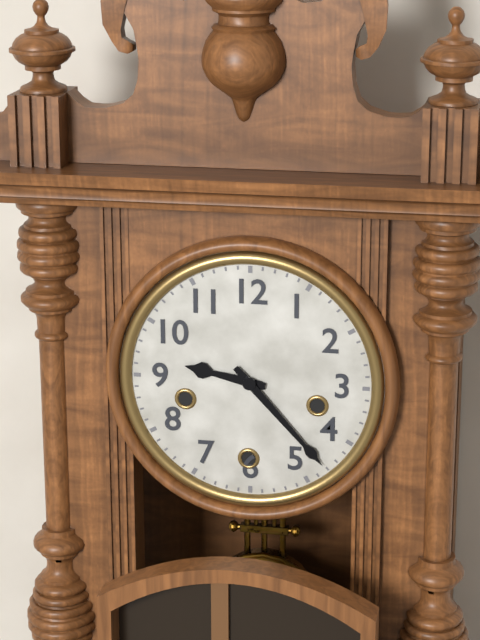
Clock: 9:23
